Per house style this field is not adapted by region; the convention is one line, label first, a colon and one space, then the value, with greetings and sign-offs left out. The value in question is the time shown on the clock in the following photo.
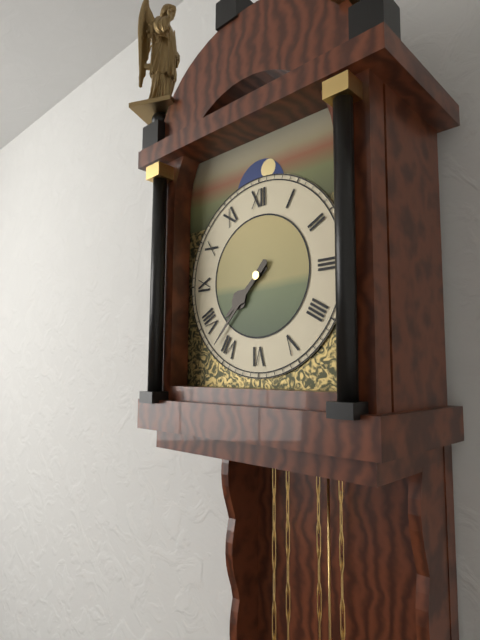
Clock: 7:37
